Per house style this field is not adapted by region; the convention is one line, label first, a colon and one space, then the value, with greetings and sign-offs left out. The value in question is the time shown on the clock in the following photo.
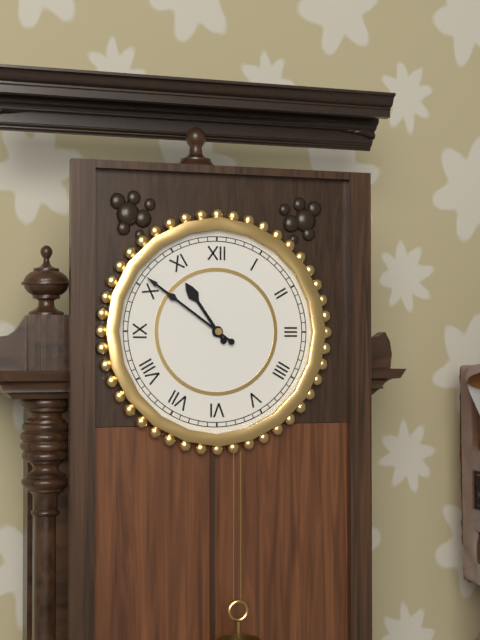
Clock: 10:51
